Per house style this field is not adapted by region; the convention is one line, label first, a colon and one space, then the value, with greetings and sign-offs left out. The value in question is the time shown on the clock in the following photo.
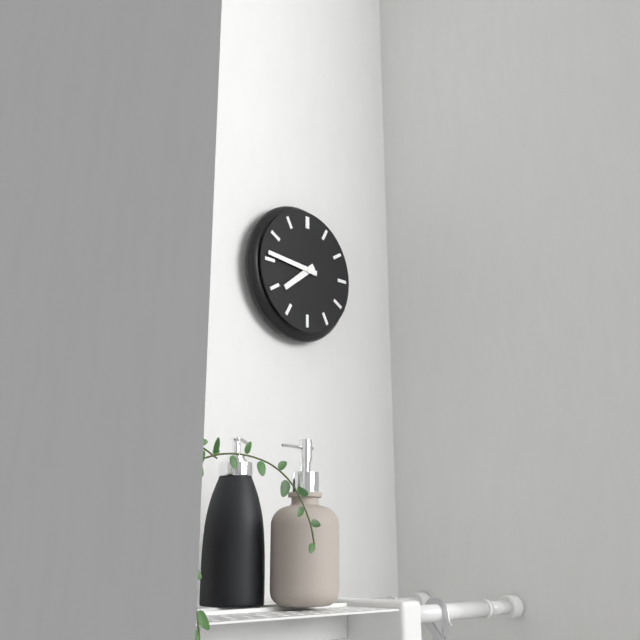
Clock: 7:46
